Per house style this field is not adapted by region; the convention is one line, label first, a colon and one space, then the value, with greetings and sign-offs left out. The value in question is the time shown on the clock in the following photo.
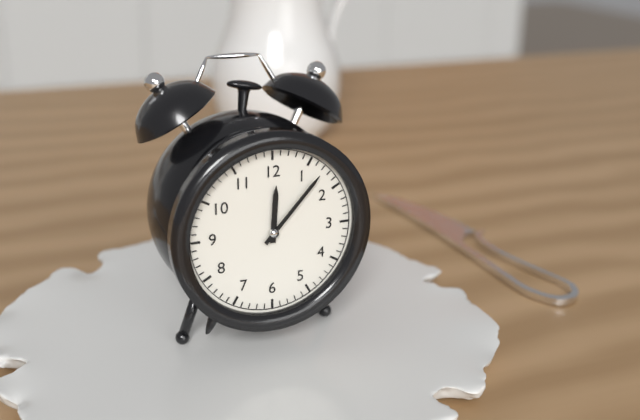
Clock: 12:07
